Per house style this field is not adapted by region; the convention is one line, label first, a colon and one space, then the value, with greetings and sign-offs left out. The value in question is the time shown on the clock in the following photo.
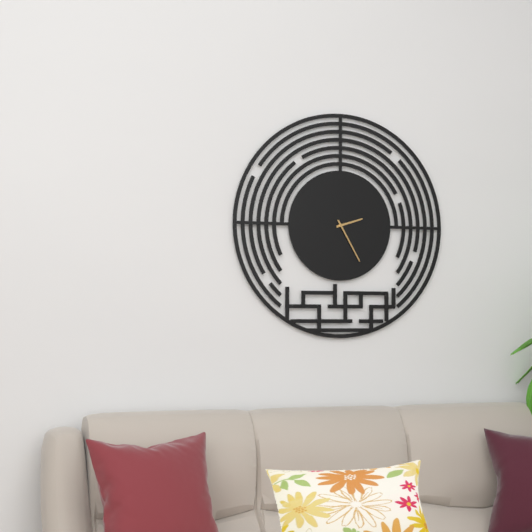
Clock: 2:25
